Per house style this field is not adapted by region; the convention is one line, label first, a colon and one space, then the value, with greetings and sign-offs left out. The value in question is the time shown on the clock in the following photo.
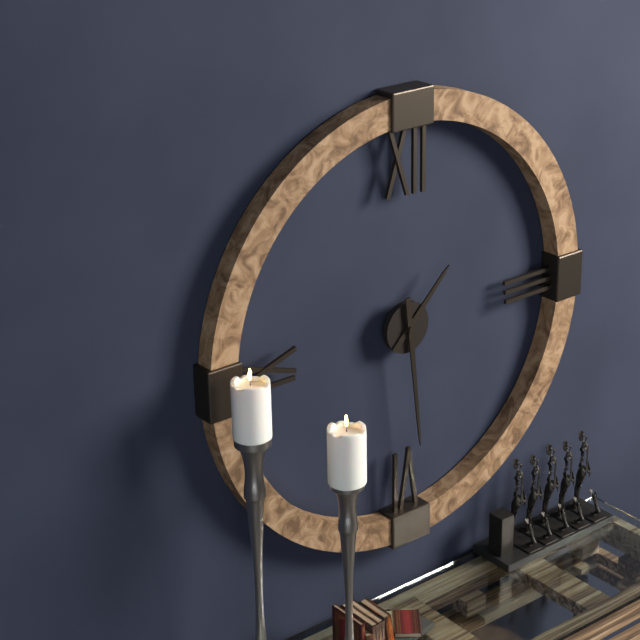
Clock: 1:29
